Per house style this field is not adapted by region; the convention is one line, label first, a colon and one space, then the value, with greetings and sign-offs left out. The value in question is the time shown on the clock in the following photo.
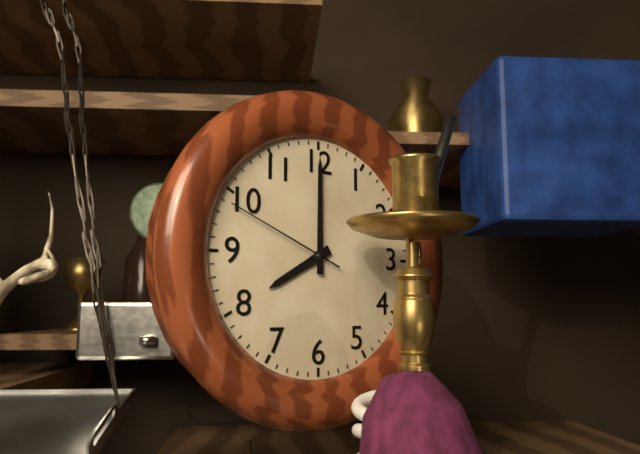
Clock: 8:00:49
